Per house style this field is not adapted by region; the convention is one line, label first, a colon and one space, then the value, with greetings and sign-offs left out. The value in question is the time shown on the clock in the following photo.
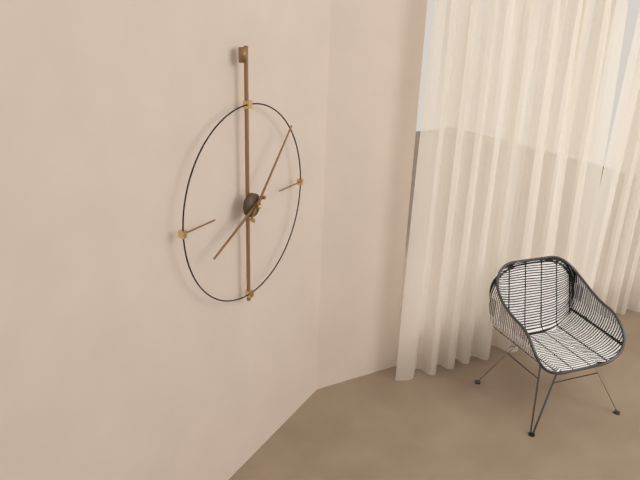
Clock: 8:07
